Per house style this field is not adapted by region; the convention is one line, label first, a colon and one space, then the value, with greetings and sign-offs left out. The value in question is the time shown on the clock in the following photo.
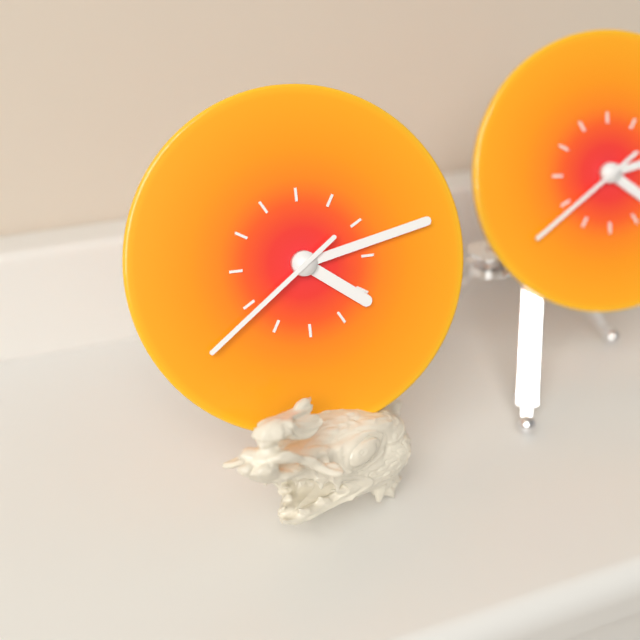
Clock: 4:13:39
